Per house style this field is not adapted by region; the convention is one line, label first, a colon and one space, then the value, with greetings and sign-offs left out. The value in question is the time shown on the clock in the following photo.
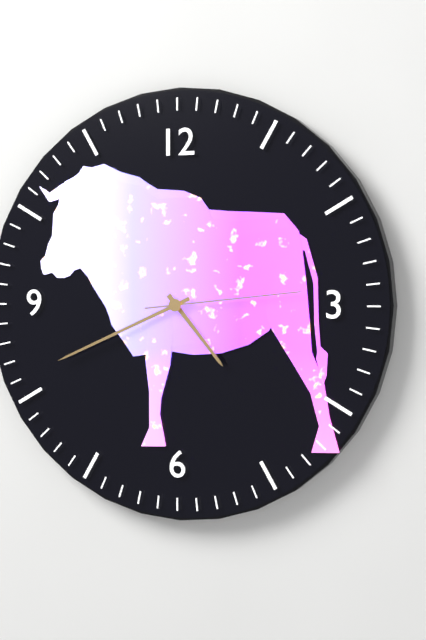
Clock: 4:41:14
